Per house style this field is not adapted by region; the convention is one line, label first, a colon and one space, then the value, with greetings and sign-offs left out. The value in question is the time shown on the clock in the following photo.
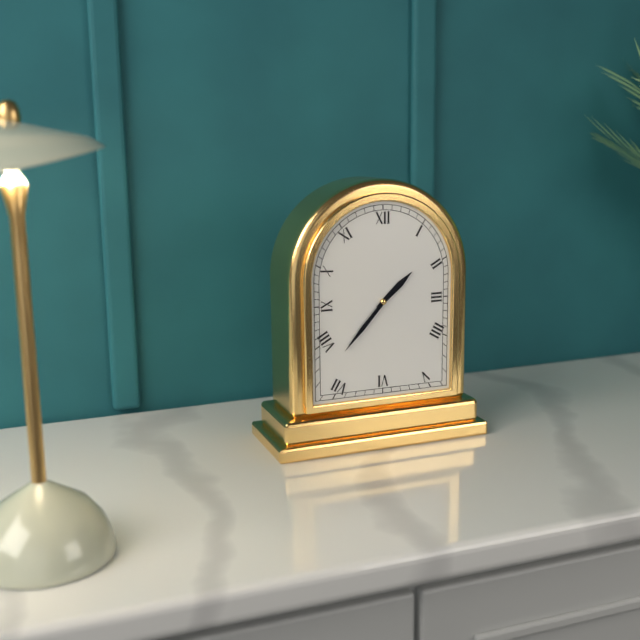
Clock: 1:37
